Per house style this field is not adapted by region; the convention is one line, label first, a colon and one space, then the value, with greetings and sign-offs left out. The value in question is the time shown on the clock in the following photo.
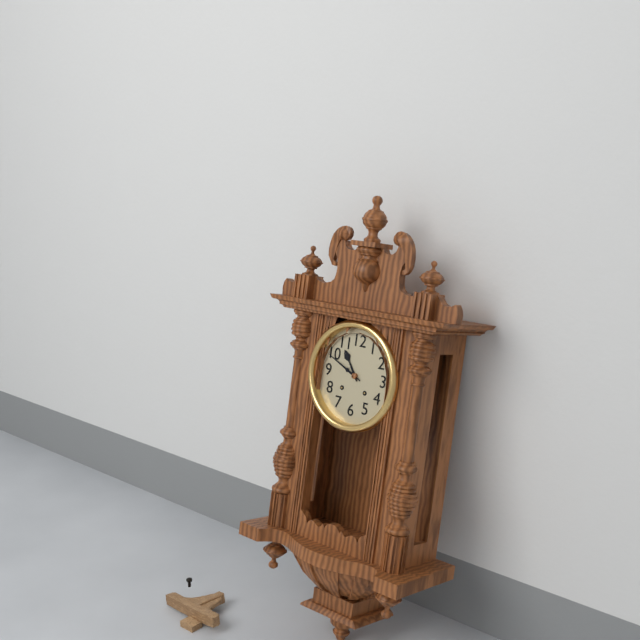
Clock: 10:49
